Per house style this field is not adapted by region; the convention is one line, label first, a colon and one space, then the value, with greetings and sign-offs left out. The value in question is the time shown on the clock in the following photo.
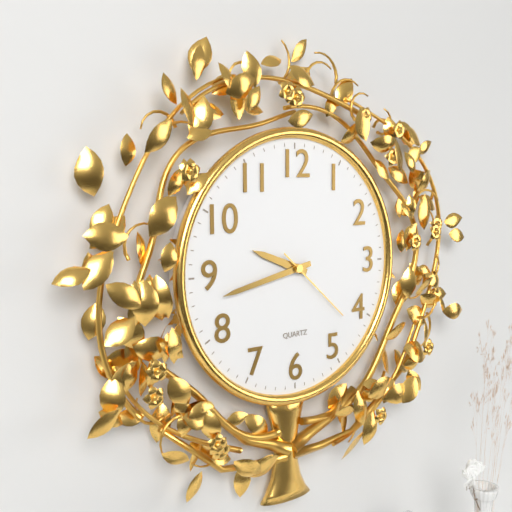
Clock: 9:43:22
